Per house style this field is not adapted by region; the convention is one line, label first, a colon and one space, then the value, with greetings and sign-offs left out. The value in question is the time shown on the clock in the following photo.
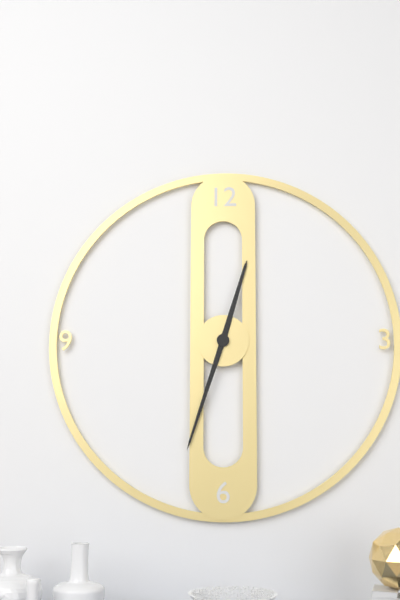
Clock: 12:33
